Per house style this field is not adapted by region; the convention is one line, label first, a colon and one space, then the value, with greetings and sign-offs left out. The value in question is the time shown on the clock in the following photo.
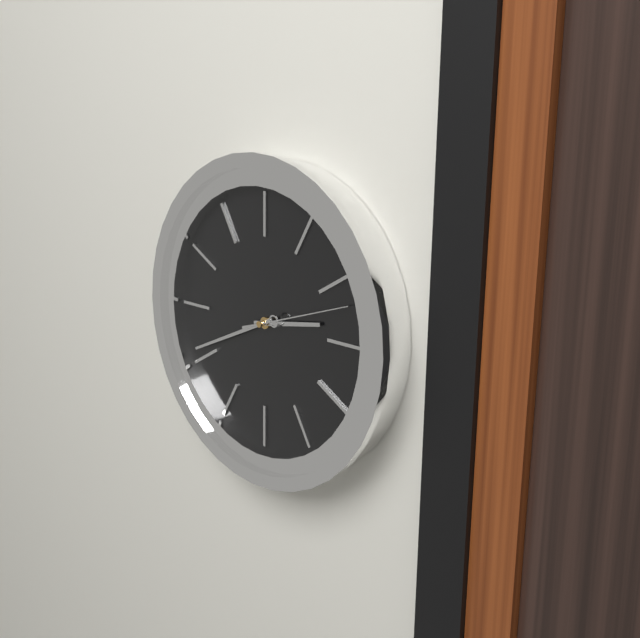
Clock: 2:41:12
